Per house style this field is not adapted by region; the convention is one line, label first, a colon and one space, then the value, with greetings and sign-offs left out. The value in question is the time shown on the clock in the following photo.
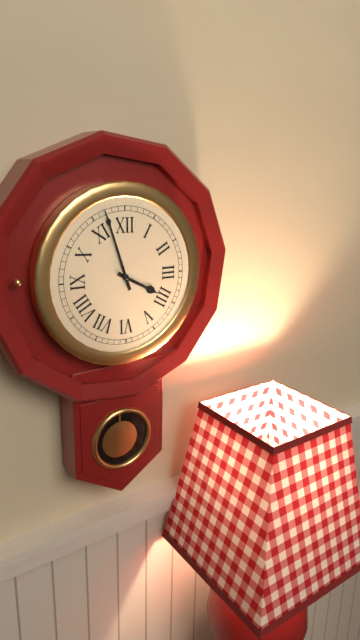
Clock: 3:57
